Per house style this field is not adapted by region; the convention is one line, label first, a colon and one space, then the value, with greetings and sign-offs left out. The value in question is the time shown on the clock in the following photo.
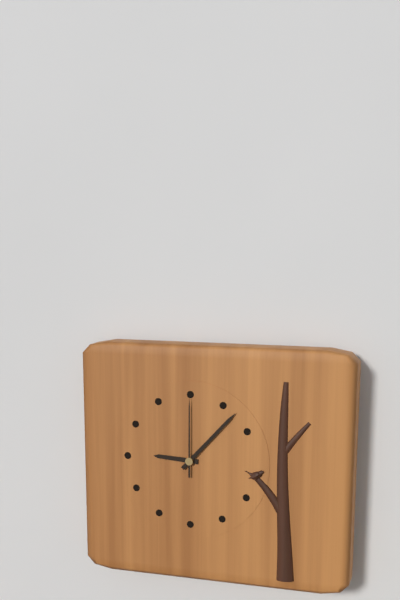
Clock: 9:07:00
